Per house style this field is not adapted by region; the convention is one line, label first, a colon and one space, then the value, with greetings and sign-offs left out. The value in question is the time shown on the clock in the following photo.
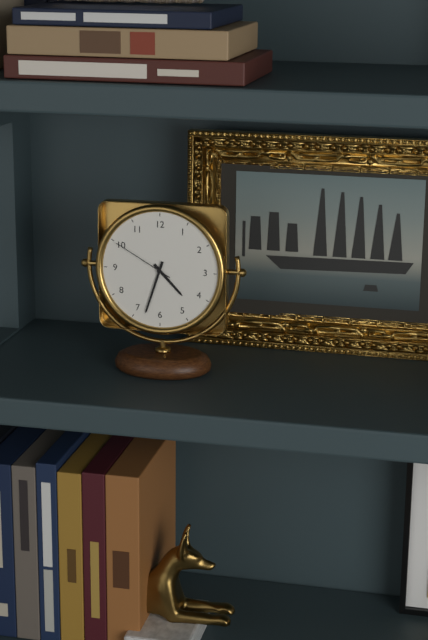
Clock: 4:33:50
